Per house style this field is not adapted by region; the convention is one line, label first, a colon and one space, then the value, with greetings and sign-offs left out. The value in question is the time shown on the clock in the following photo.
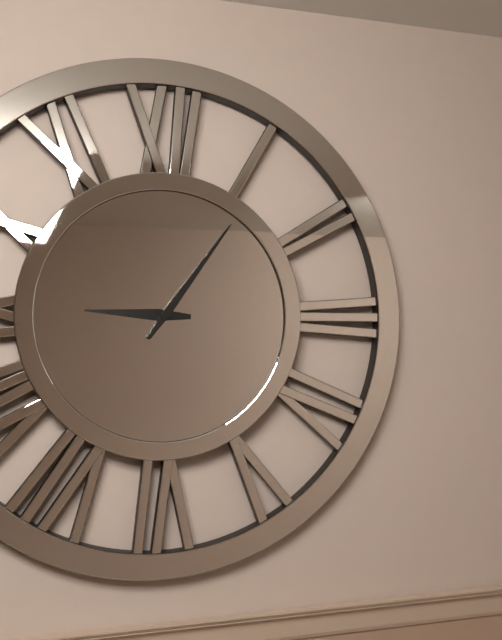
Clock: 9:06
